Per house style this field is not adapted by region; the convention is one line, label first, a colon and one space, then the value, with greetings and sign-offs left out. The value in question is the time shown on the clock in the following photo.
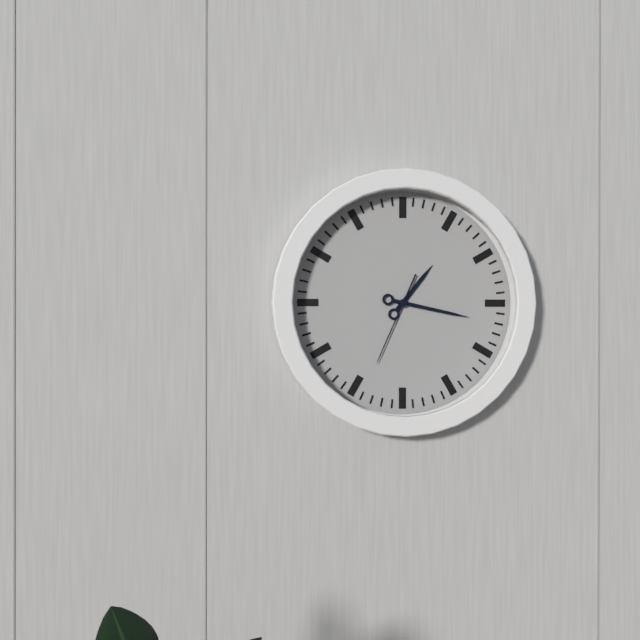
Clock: 1:17:34
